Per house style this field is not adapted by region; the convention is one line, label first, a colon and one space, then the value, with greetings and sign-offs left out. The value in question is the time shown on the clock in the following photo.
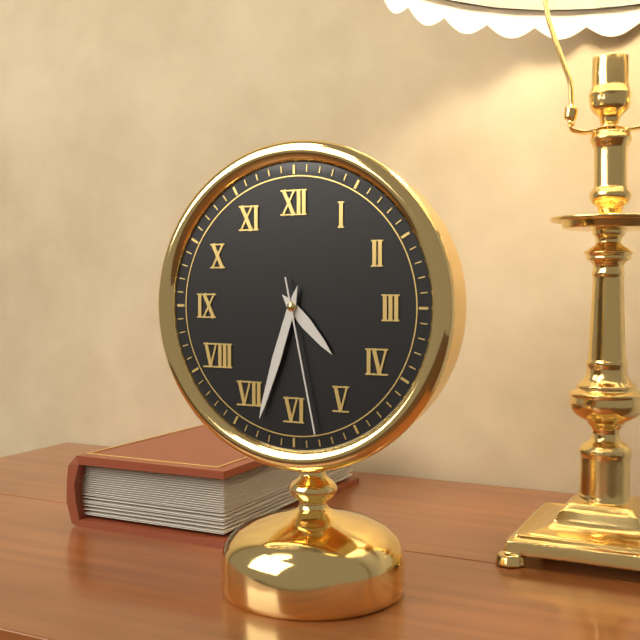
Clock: 4:33:28
